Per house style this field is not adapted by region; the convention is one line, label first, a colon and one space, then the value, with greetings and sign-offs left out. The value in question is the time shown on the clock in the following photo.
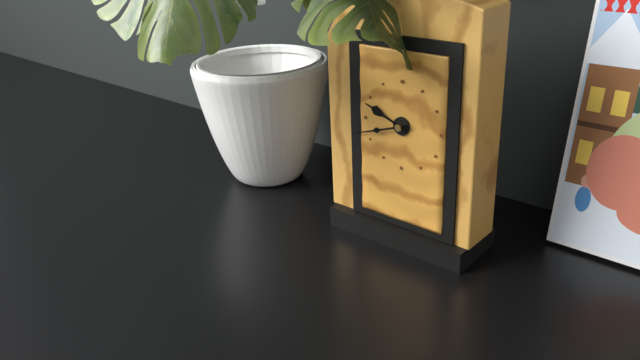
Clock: 9:42
